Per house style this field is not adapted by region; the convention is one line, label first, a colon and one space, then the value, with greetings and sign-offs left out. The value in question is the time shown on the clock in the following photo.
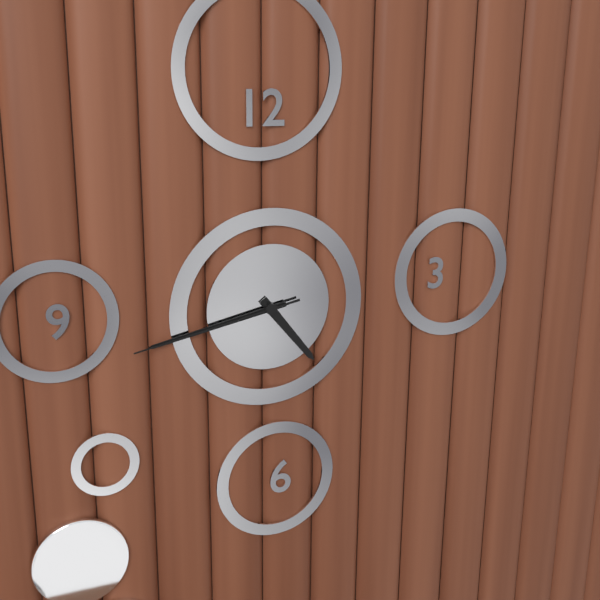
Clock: 4:43:43
